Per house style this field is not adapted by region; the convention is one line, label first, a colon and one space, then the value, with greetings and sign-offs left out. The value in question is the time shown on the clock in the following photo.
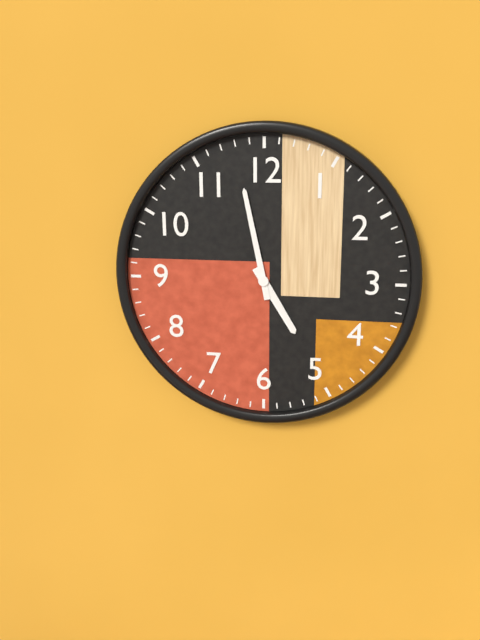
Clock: 4:58
